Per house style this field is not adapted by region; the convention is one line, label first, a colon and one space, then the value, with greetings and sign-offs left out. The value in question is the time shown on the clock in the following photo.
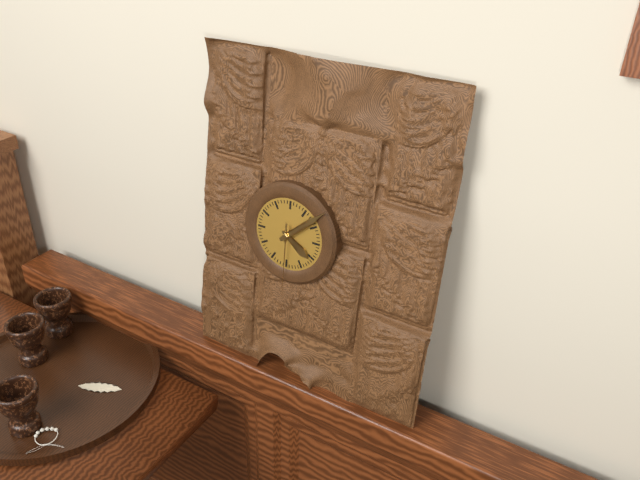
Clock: 4:08:30
